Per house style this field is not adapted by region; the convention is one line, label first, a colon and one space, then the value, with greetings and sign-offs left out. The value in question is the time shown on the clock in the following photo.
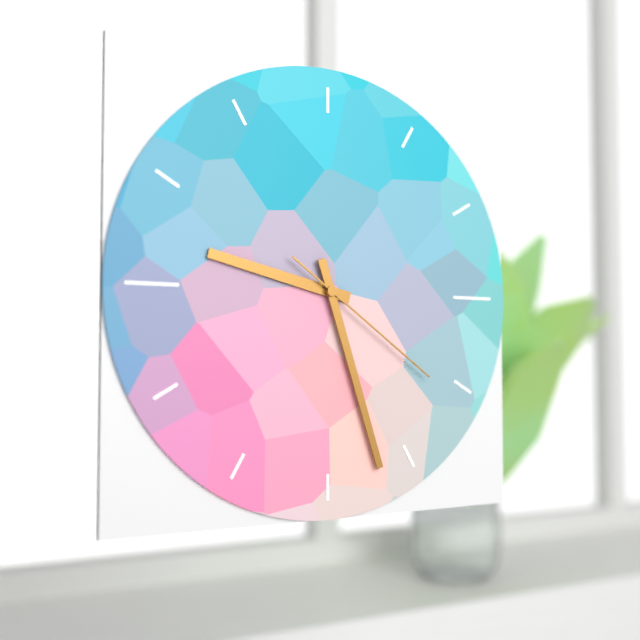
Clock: 9:27:21
